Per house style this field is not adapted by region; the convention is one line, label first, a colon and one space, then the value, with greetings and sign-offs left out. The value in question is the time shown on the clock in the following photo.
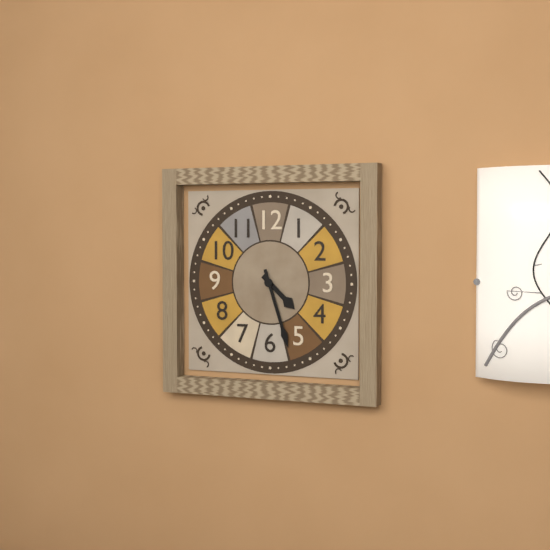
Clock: 4:27
